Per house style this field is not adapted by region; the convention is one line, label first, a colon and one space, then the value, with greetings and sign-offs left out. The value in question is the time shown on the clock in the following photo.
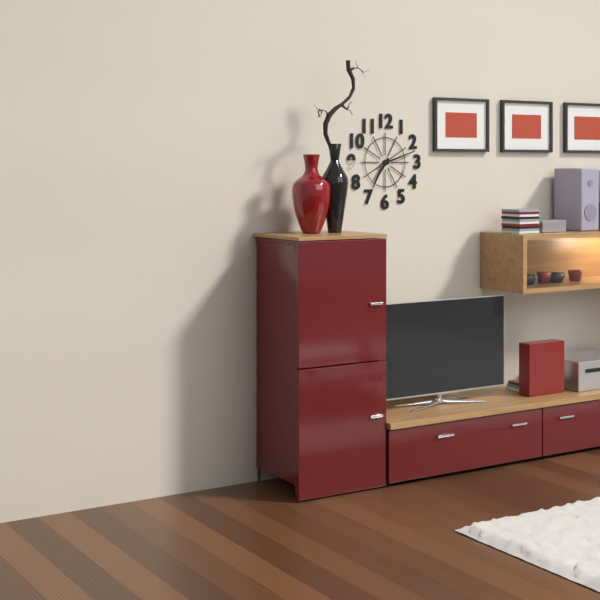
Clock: 7:12
